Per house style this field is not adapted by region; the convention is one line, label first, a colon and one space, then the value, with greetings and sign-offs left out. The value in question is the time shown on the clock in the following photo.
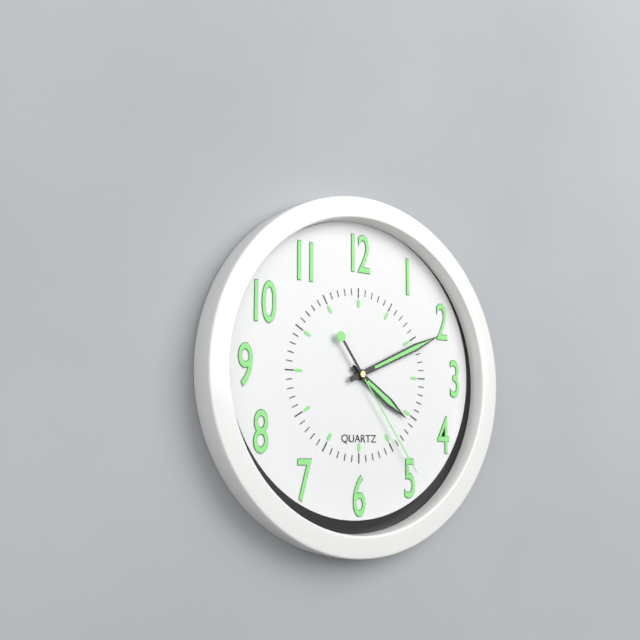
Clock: 4:11:24
